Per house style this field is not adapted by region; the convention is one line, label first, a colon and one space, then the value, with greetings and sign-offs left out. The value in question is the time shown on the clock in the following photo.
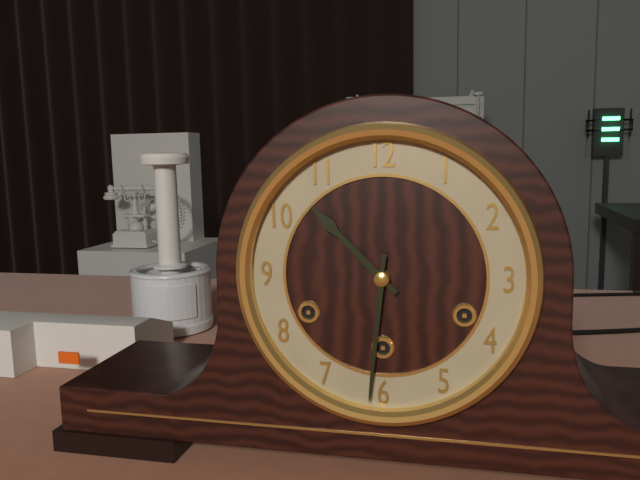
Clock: 10:31
